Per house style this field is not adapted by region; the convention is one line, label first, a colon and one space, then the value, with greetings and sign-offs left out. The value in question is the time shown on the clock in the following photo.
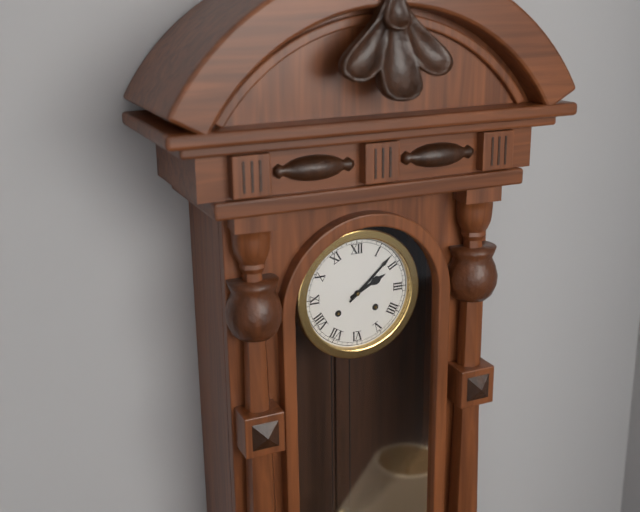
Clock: 2:08
